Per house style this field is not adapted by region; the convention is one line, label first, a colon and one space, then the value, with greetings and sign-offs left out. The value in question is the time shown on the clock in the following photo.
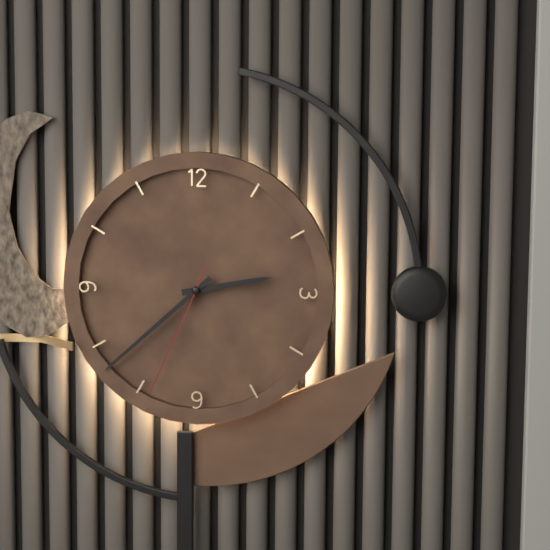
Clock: 2:38:34
